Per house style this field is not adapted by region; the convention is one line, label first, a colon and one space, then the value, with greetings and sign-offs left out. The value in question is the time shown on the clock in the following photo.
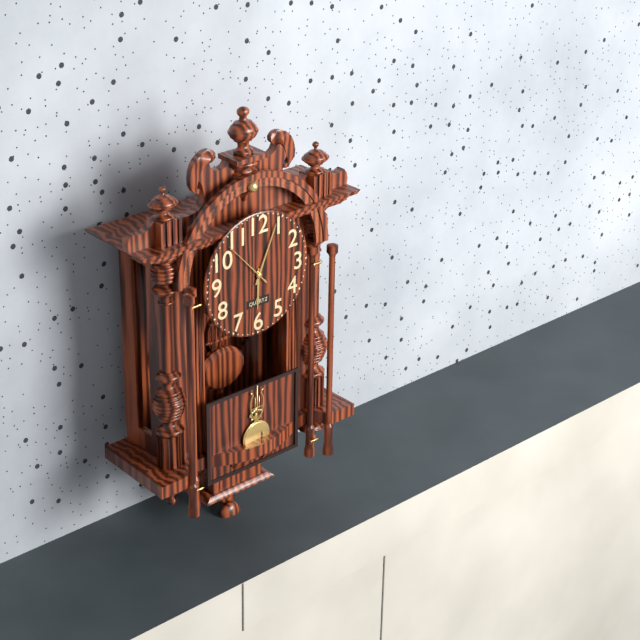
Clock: 6:04:53
